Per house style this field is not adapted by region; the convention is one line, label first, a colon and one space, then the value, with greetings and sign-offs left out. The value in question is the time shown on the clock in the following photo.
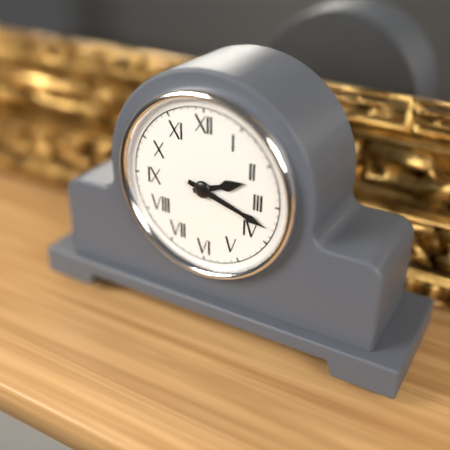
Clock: 2:18
